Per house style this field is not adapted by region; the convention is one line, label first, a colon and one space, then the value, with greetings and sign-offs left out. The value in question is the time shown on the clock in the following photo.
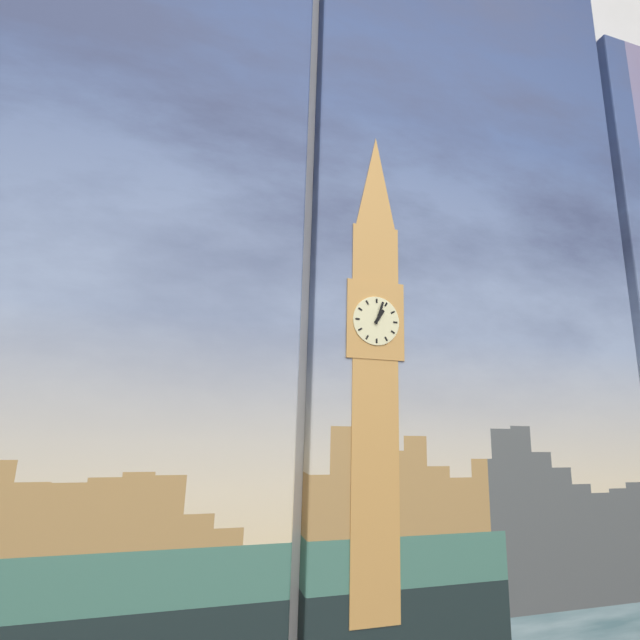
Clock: 1:03
